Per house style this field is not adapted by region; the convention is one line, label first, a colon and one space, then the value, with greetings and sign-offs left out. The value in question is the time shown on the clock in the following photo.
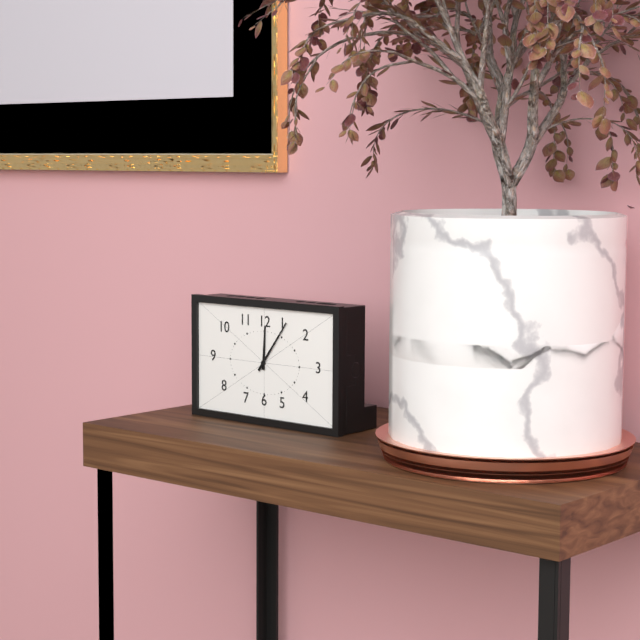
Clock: 12:06
